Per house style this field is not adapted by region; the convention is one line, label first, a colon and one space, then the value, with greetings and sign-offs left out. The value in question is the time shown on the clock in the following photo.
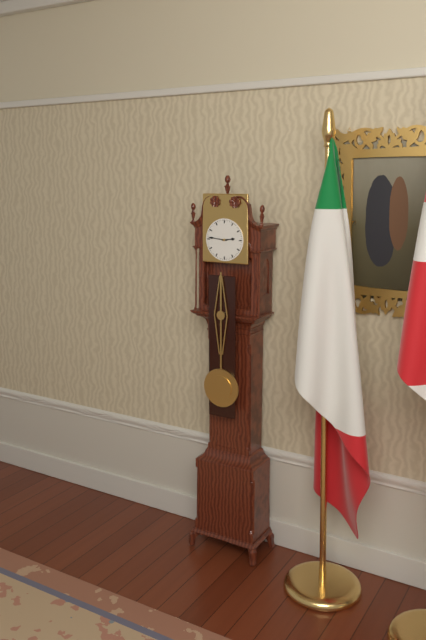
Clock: 2:46
